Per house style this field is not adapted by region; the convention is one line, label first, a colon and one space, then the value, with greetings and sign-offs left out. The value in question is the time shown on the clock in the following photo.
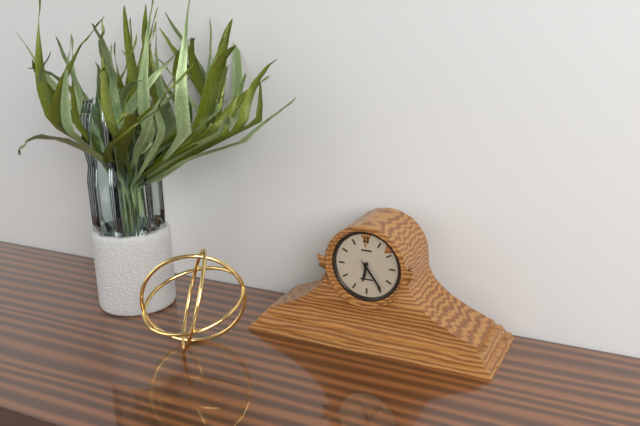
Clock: 6:24
